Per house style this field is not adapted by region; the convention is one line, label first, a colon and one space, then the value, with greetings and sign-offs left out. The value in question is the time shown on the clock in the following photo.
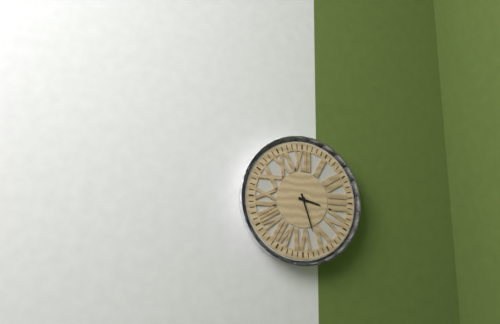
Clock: 3:27
